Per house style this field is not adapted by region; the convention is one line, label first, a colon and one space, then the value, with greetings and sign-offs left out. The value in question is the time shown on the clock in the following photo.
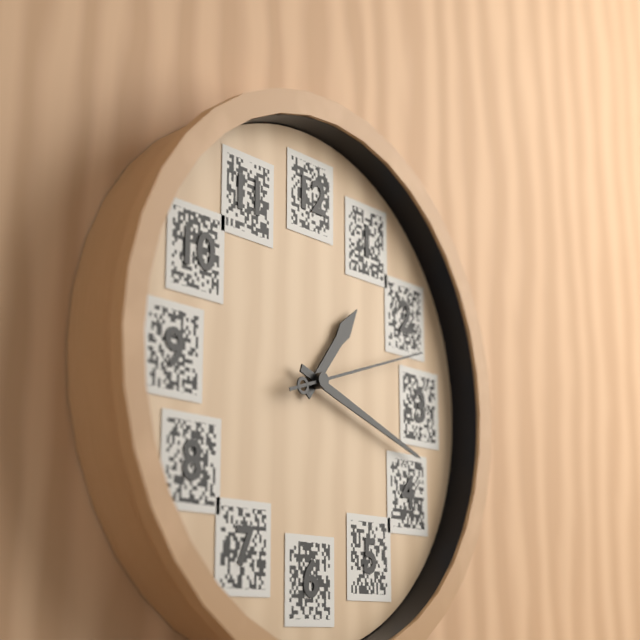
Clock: 1:18:12
